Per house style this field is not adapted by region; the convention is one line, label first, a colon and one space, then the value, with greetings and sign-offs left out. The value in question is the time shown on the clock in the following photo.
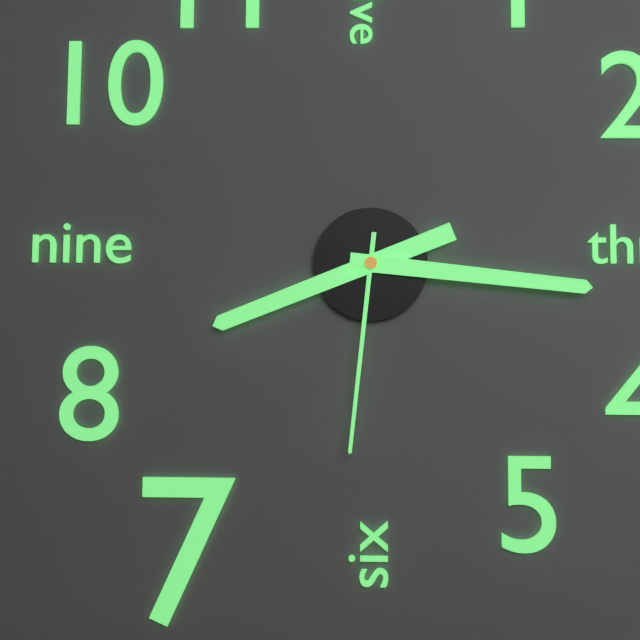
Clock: 8:16:31
